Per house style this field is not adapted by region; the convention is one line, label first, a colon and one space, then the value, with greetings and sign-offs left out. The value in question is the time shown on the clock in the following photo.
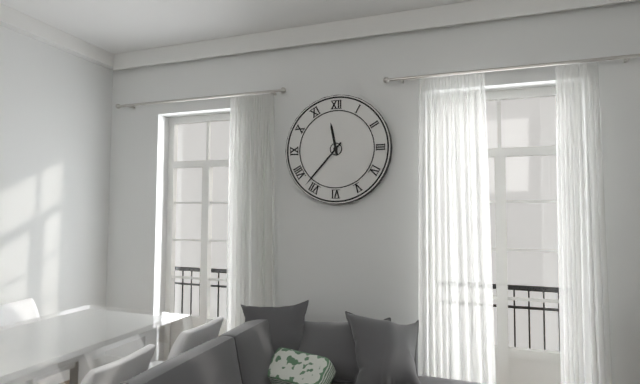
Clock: 11:37
